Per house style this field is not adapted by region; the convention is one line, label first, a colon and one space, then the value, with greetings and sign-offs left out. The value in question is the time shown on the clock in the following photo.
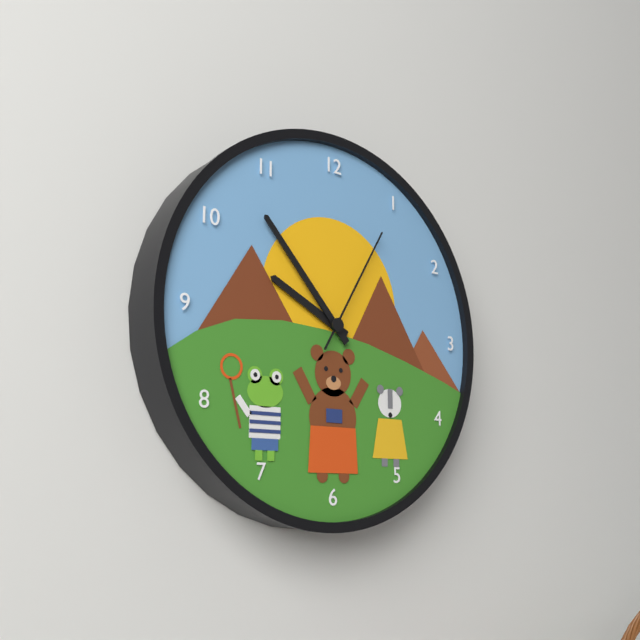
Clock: 9:53:05
